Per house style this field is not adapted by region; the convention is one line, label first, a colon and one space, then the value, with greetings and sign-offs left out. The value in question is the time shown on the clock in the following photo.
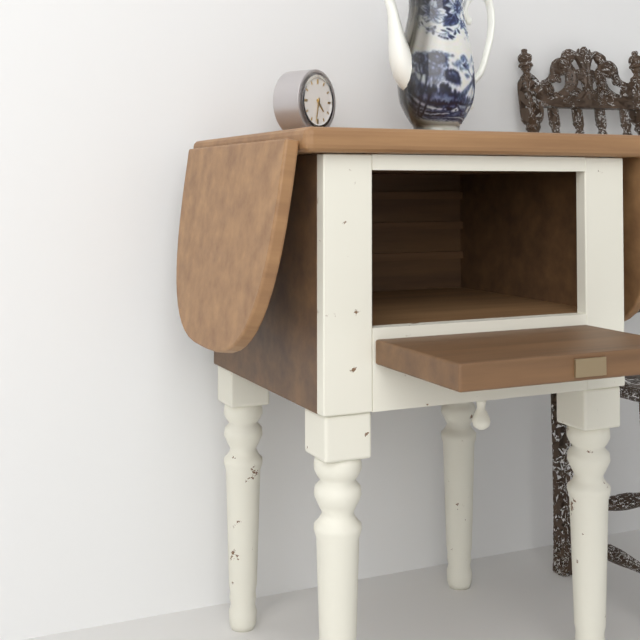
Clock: 4:32
